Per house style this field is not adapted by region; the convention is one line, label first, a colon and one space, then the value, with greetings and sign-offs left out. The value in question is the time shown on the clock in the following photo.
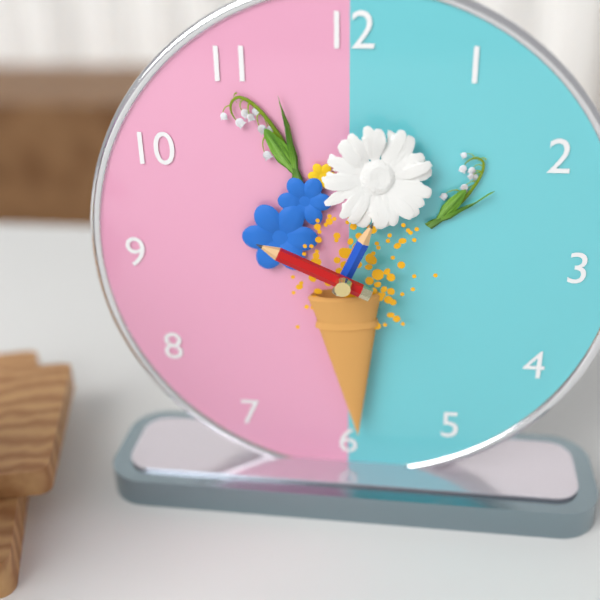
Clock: 12:49
